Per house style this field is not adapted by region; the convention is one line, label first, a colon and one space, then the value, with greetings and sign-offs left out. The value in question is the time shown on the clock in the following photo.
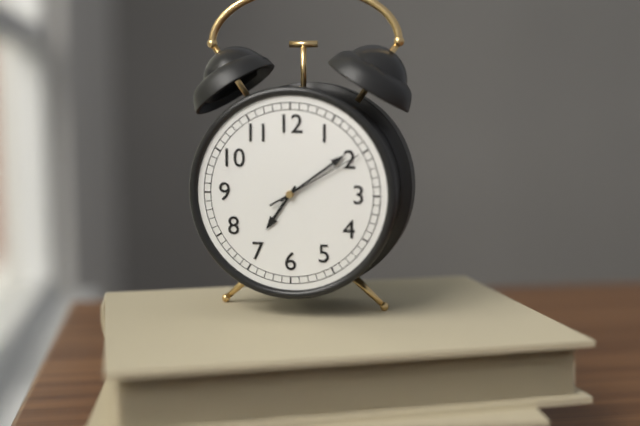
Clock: 7:09:10
